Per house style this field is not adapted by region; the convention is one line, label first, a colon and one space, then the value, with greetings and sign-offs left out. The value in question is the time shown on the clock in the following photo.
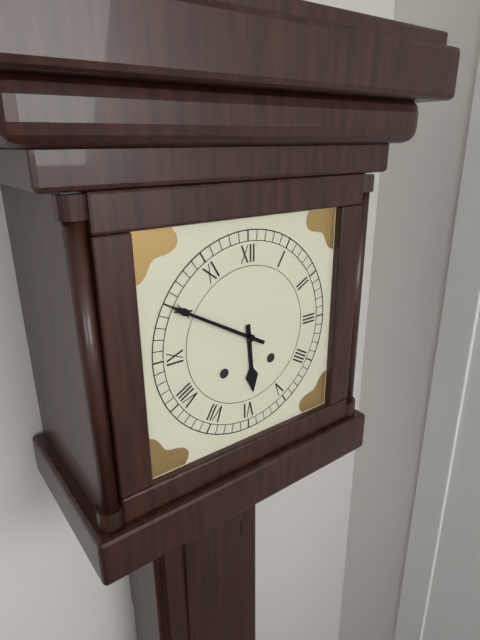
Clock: 5:50
